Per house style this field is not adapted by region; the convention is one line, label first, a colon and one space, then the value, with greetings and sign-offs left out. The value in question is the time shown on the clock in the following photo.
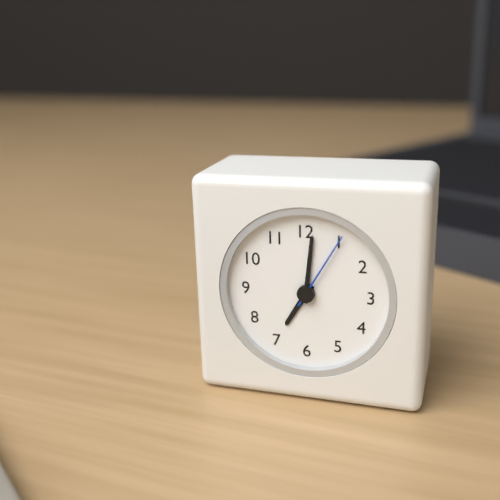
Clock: 7:01:05
